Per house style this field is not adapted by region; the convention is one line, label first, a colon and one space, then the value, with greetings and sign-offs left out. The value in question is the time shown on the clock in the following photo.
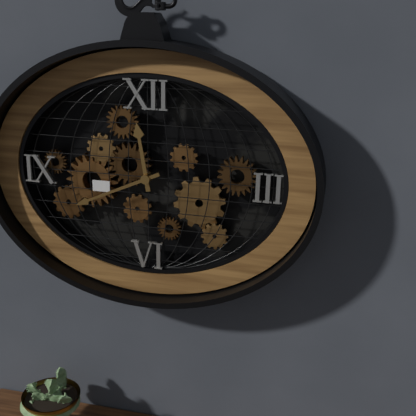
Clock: 11:41
